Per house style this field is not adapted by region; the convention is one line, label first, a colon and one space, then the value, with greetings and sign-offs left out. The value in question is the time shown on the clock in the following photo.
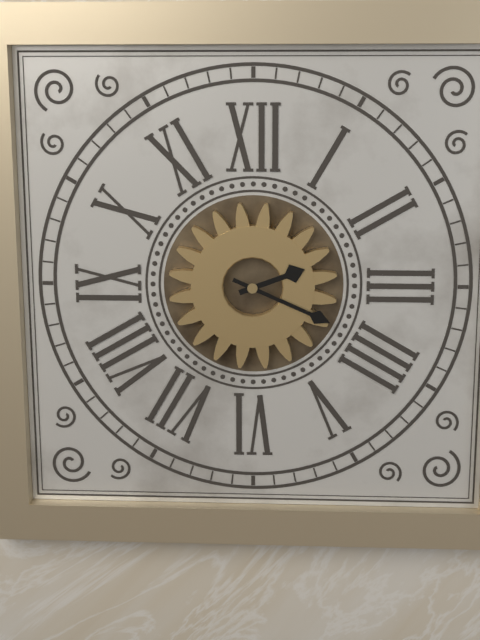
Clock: 2:19
